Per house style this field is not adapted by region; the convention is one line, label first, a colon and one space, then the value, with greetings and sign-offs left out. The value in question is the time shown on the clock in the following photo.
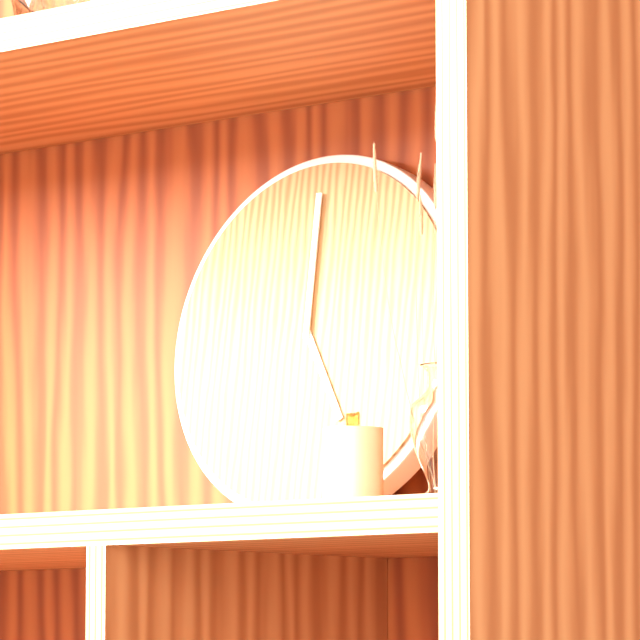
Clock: 5:00
